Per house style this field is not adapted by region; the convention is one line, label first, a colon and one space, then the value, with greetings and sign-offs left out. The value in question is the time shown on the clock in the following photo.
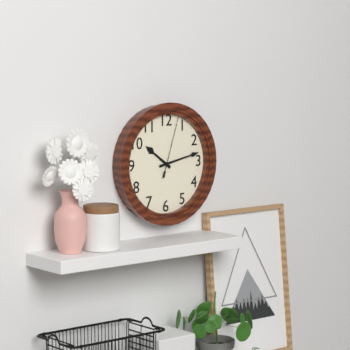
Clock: 10:13:03
